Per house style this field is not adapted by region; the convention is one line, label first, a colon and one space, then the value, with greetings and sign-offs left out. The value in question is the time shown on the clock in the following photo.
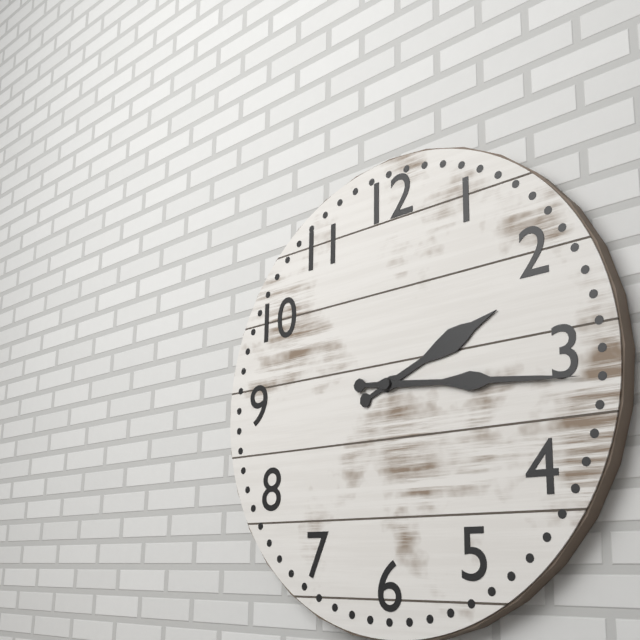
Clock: 2:16
